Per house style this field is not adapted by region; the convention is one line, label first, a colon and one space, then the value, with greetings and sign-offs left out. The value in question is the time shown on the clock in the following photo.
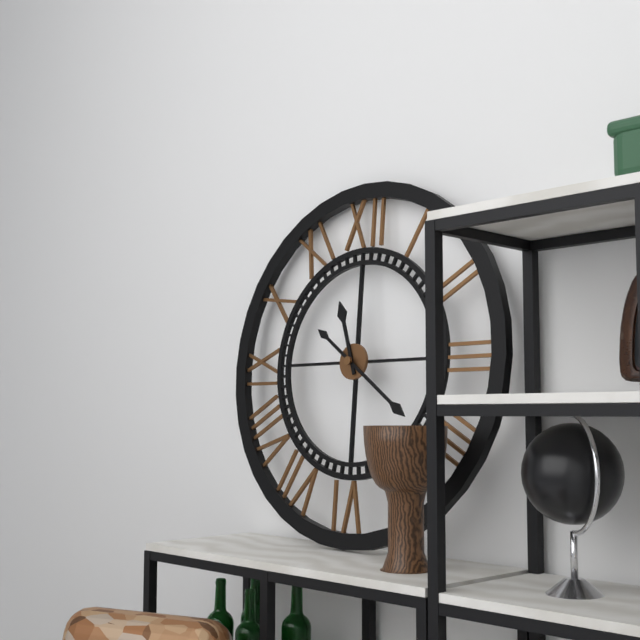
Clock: 11:21
